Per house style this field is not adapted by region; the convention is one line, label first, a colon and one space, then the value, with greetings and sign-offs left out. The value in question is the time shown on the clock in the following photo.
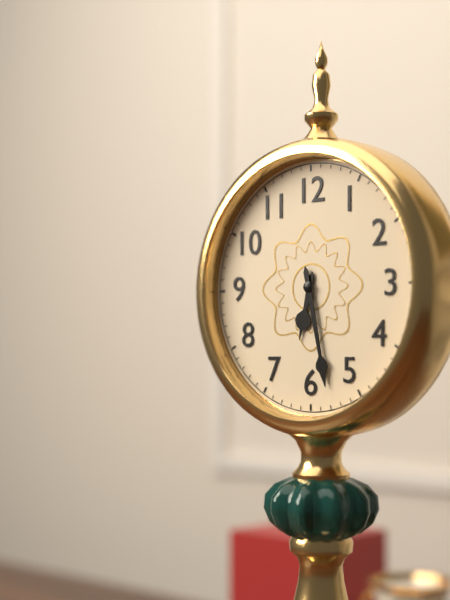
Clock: 6:28
